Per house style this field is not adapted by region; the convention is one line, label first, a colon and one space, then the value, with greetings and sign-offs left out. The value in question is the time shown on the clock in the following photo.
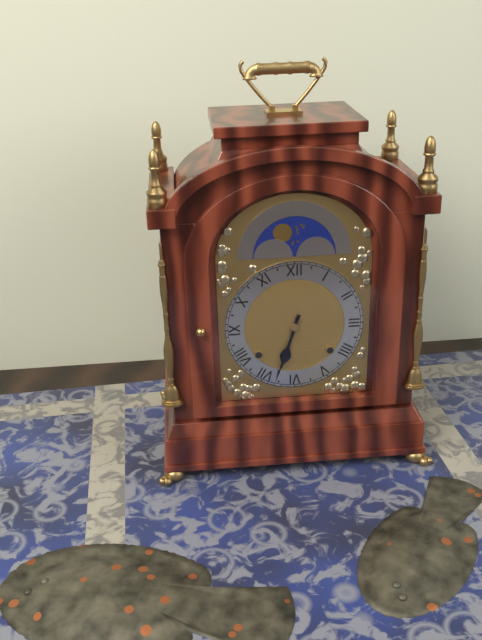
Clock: 6:33
